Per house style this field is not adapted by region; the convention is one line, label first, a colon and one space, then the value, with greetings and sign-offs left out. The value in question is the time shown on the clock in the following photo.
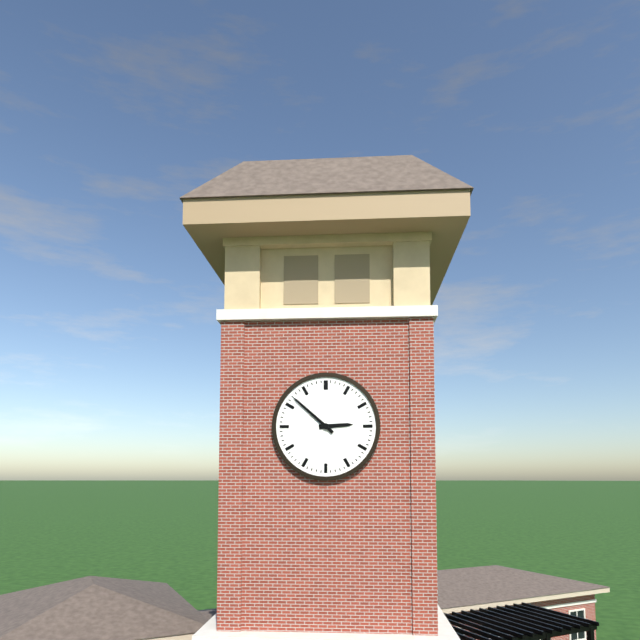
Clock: 2:52
